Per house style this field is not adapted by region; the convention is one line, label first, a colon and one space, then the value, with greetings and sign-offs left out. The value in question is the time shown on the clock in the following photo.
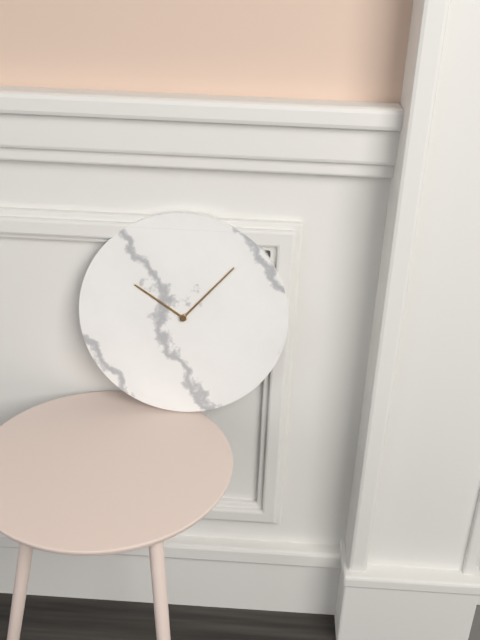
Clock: 10:07
